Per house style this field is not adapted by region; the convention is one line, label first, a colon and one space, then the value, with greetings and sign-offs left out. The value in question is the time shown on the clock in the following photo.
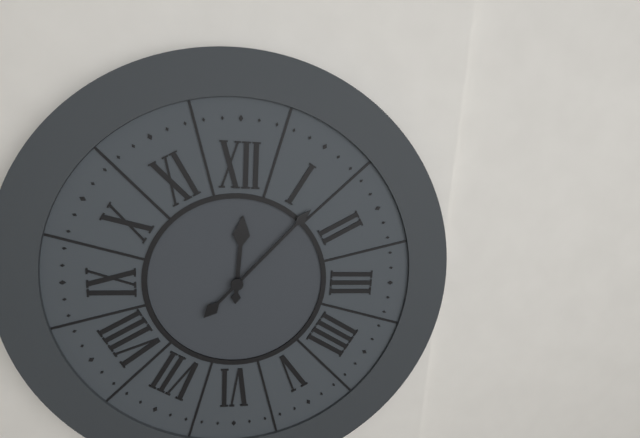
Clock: 12:07
